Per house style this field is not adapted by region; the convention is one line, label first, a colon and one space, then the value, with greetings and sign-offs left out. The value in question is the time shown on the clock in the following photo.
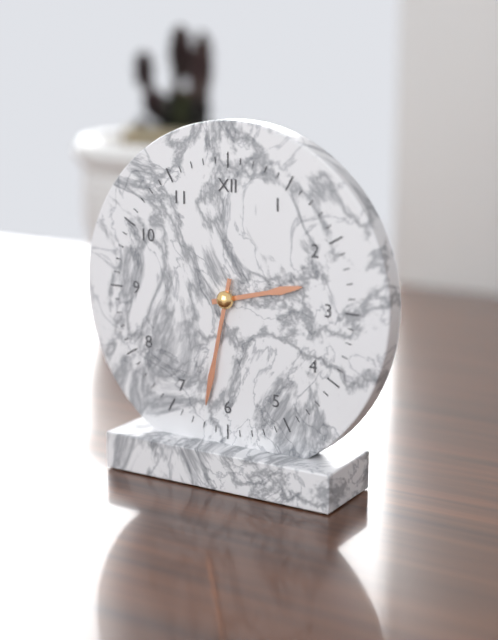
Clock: 2:32
